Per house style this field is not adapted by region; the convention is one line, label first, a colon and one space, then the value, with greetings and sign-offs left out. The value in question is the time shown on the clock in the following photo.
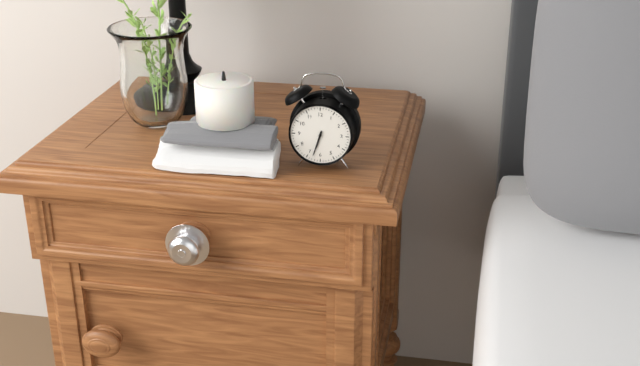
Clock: 6:33
